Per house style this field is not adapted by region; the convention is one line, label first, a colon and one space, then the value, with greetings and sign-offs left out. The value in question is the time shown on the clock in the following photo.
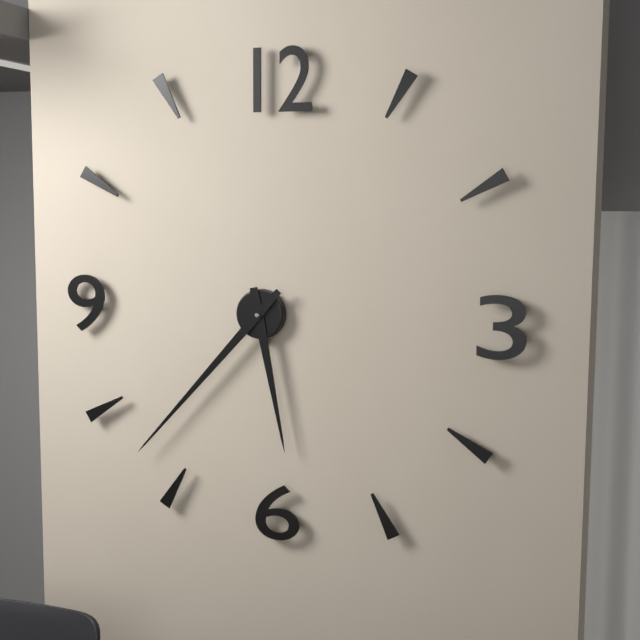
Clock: 5:37
